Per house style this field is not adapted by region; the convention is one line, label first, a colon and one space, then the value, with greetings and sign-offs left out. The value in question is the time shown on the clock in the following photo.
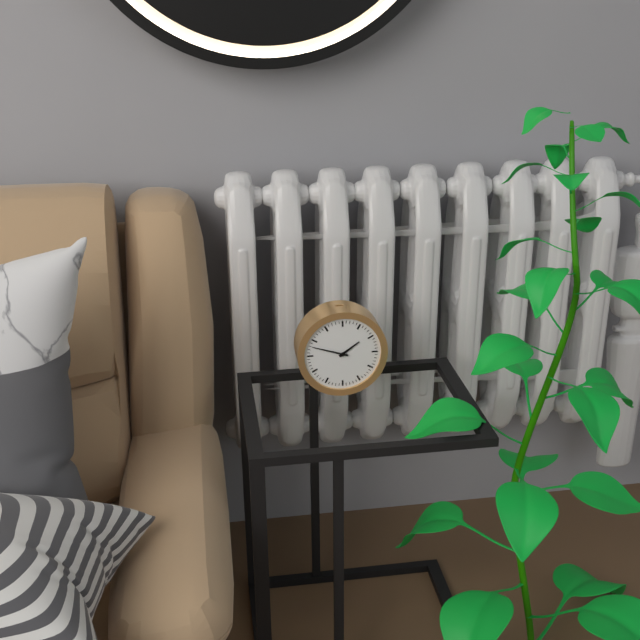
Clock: 1:48
